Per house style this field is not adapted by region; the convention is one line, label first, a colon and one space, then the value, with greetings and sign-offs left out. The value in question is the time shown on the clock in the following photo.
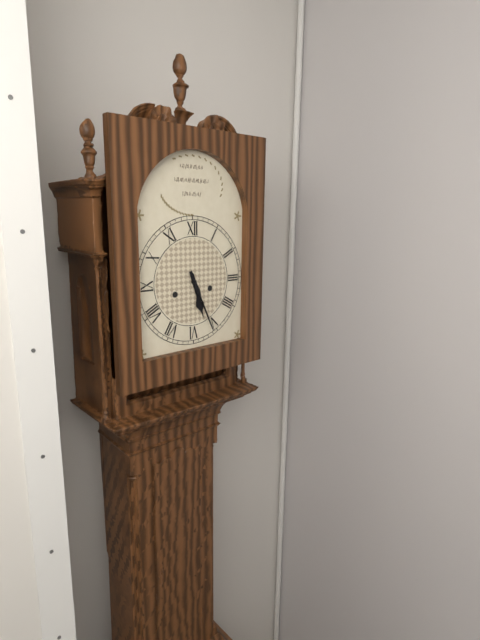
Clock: 5:26
